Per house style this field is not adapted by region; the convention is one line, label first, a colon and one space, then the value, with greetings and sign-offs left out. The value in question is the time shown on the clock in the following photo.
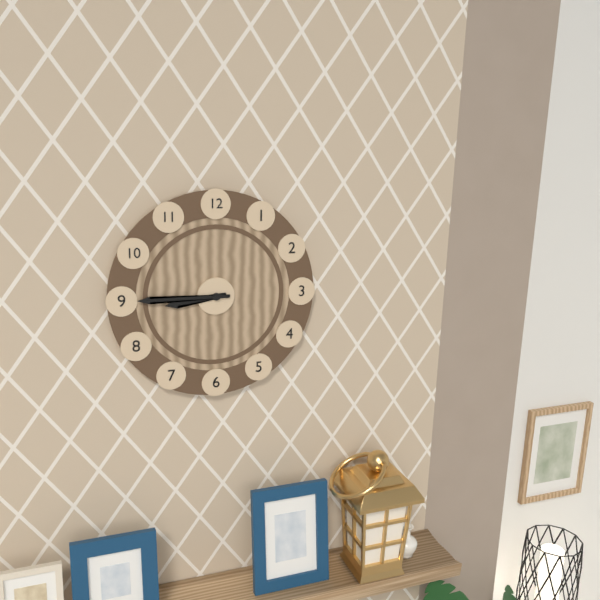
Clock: 8:45
